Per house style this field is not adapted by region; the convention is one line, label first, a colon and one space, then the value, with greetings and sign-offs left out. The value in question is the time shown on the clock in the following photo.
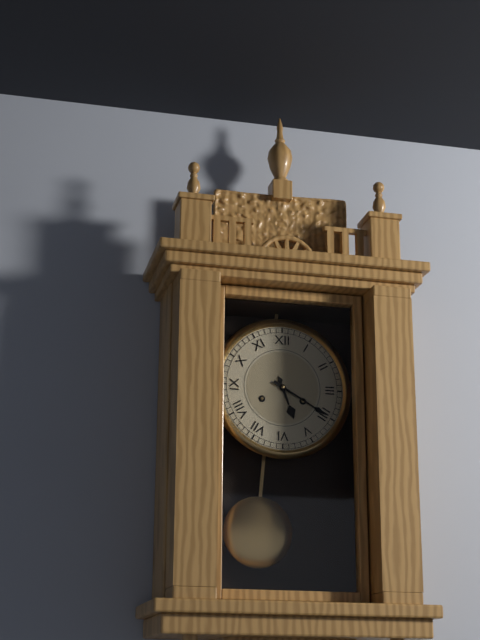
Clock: 5:20
